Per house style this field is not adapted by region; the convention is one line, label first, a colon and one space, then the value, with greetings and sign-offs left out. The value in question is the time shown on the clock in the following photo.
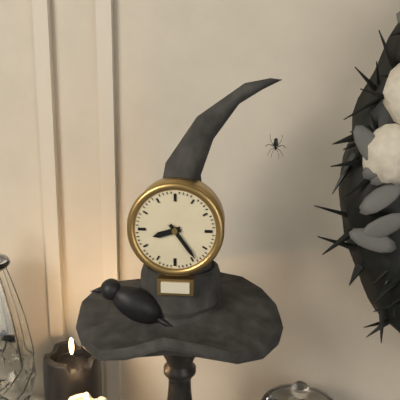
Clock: 8:24
